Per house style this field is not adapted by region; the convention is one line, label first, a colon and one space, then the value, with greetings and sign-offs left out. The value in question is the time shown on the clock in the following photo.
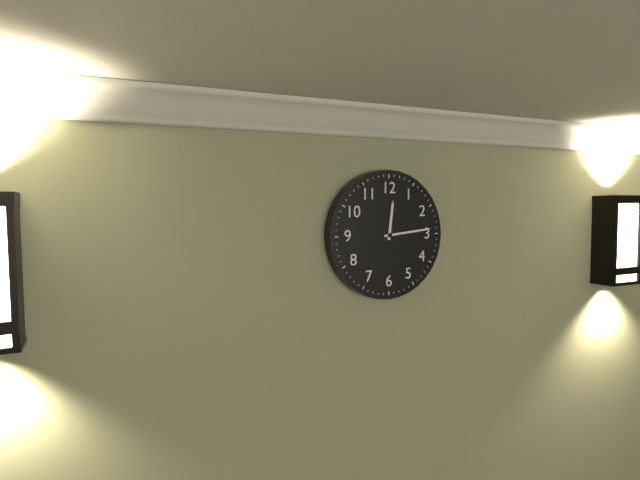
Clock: 12:14
